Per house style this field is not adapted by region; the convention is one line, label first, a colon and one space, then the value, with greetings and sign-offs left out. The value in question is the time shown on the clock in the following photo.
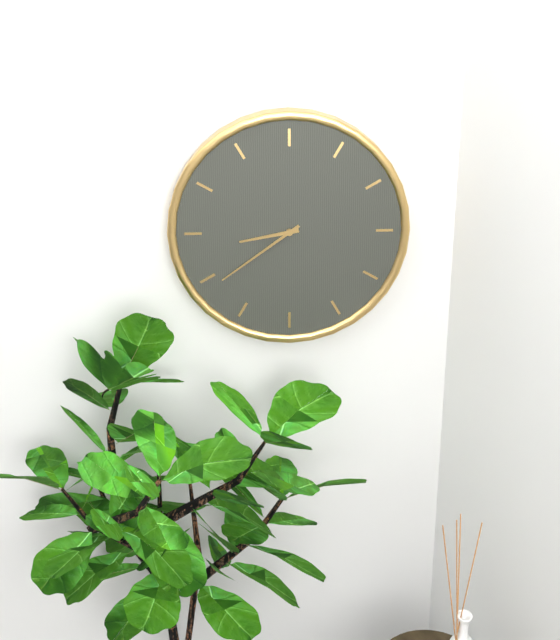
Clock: 8:39
